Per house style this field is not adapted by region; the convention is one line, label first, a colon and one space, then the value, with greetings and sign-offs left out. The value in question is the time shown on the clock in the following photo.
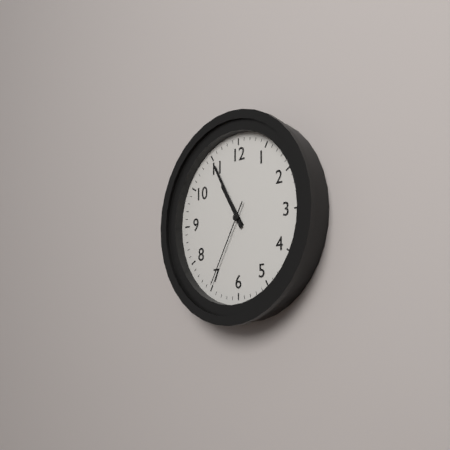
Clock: 10:55:35
